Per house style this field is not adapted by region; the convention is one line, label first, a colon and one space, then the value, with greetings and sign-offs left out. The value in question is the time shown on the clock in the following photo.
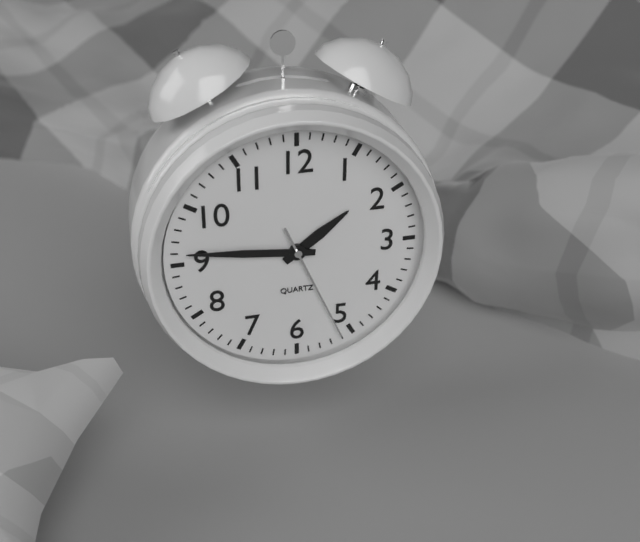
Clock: 1:46:26
